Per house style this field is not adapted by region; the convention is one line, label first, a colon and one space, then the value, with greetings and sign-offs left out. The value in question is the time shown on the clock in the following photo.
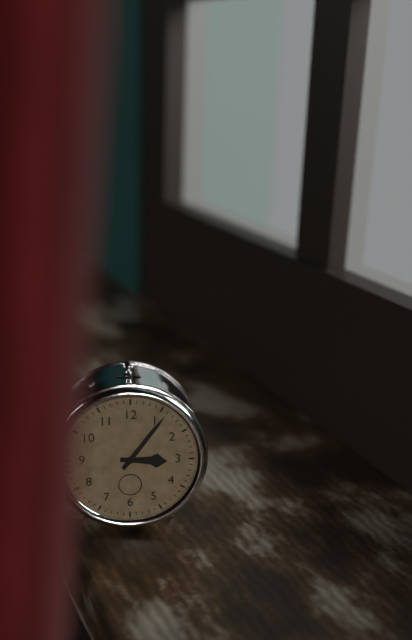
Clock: 3:06
